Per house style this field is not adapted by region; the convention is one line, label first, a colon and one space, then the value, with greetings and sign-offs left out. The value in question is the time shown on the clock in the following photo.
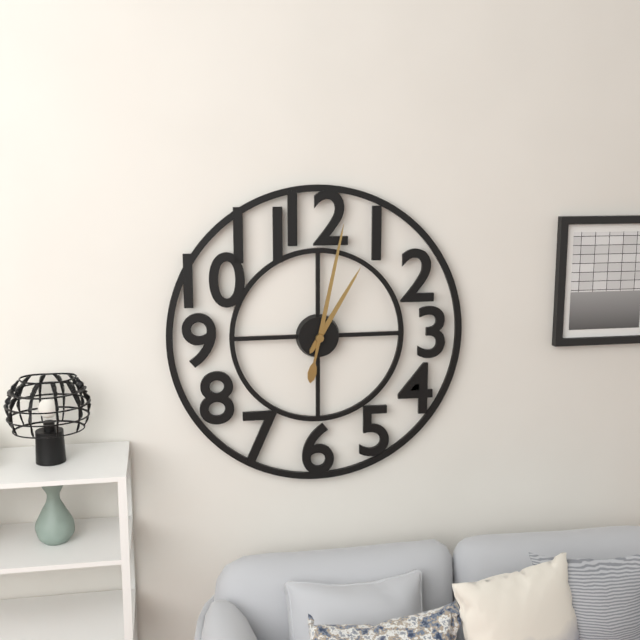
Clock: 1:02
